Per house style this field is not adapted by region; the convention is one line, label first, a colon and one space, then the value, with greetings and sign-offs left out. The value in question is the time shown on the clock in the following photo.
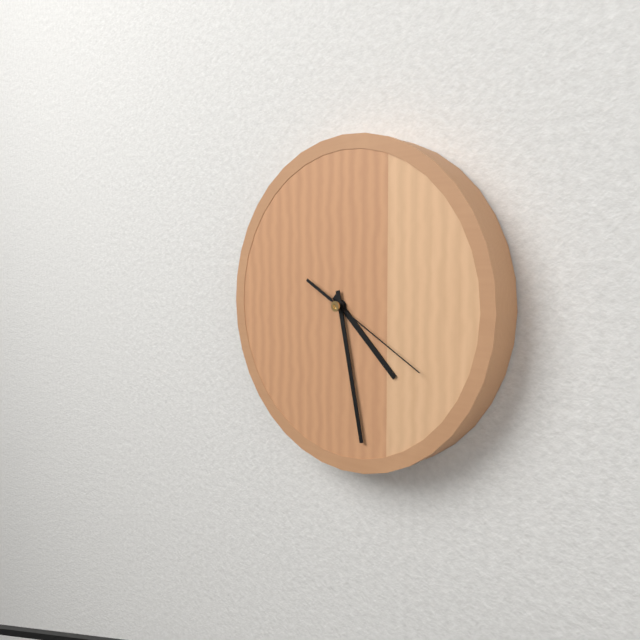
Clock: 4:28:20
